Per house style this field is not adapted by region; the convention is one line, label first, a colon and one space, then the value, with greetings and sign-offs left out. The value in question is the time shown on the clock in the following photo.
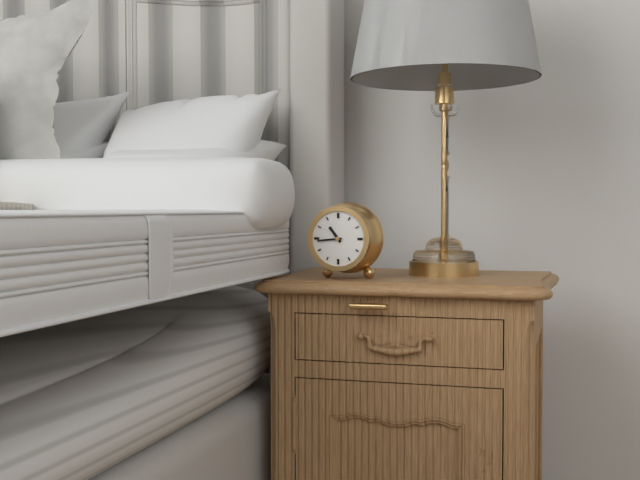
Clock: 10:44
